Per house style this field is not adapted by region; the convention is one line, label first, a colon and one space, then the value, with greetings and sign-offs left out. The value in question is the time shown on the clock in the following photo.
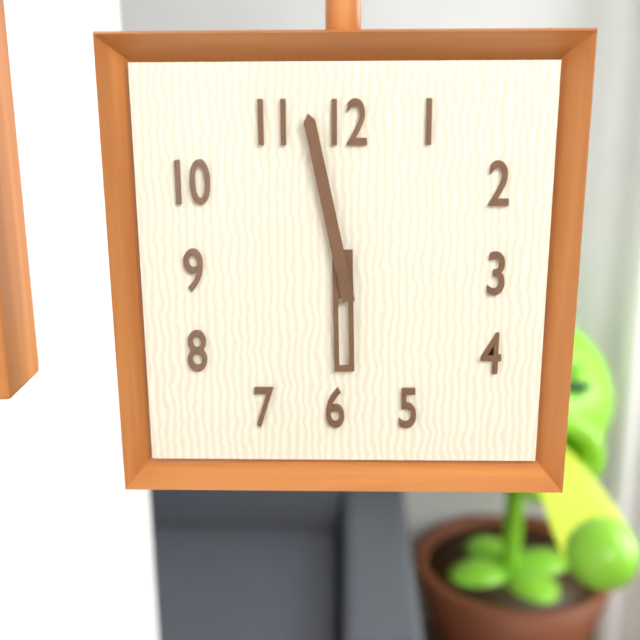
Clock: 5:58
